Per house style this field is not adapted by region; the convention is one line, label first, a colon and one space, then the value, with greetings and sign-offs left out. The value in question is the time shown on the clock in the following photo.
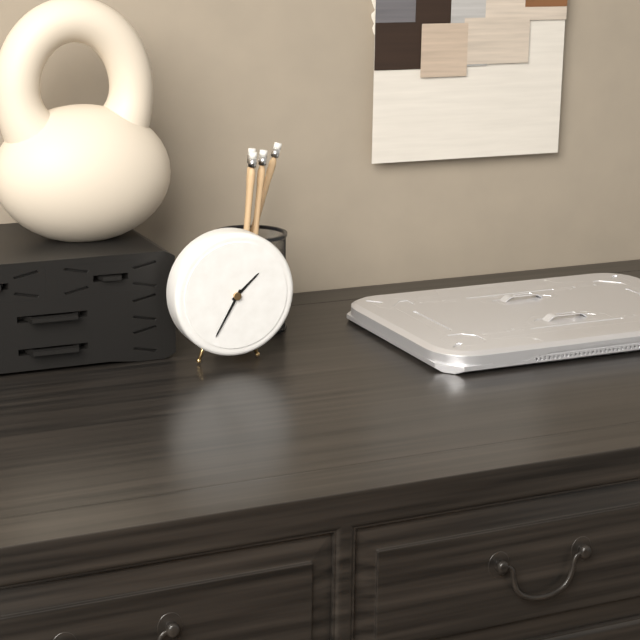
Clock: 1:35
